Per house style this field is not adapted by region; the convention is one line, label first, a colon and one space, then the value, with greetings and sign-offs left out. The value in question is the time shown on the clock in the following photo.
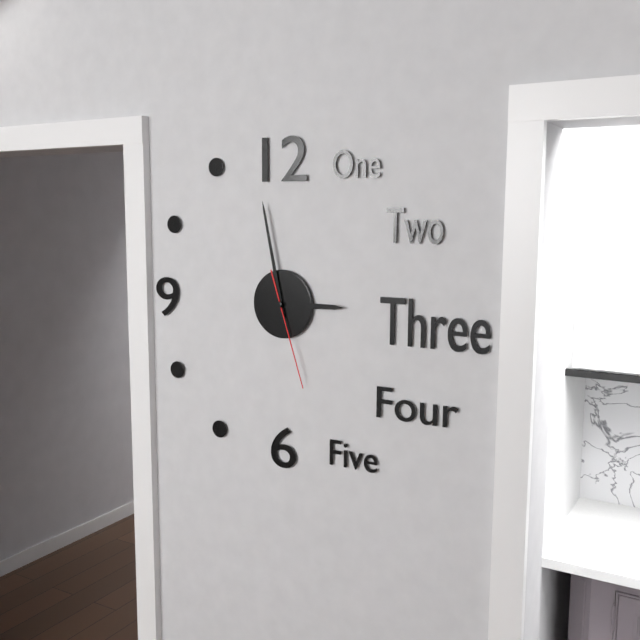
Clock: 2:58:27
